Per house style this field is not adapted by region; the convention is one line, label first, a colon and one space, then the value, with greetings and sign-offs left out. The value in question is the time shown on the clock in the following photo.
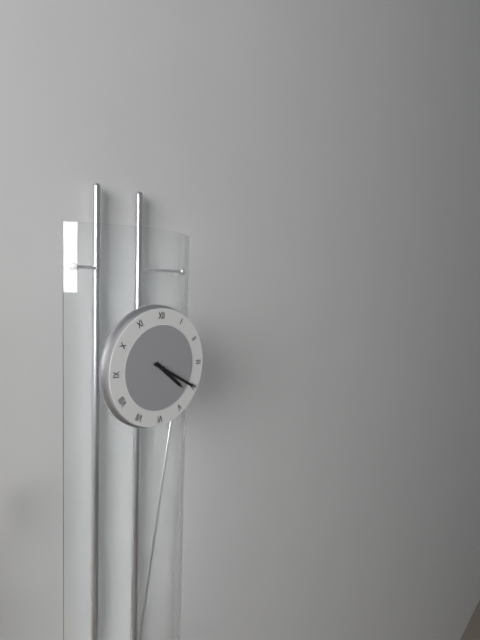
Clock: 4:20
